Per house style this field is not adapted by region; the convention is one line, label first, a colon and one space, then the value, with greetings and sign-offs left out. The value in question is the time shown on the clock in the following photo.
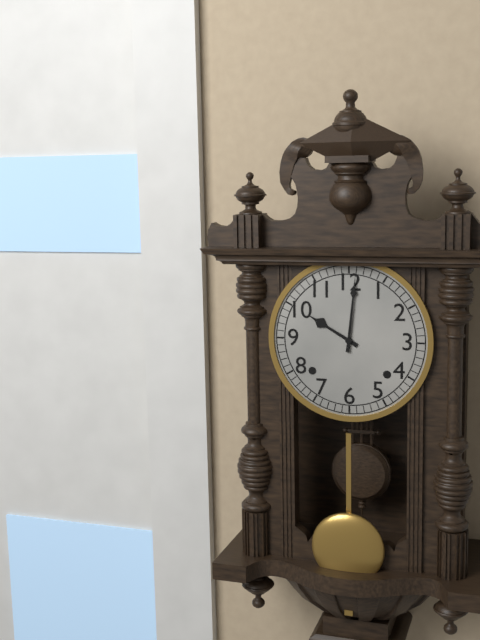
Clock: 10:01
